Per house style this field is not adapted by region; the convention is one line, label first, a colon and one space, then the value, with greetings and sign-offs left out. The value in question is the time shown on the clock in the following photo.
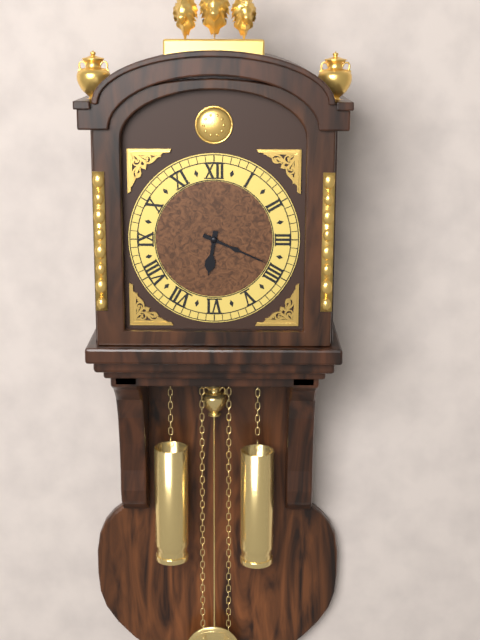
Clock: 6:19
